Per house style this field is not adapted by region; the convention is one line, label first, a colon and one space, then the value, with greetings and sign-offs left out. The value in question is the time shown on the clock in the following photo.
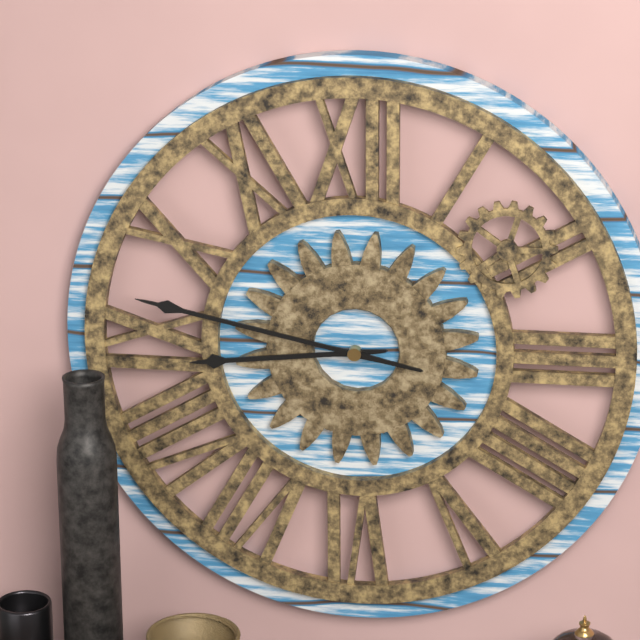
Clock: 8:47
